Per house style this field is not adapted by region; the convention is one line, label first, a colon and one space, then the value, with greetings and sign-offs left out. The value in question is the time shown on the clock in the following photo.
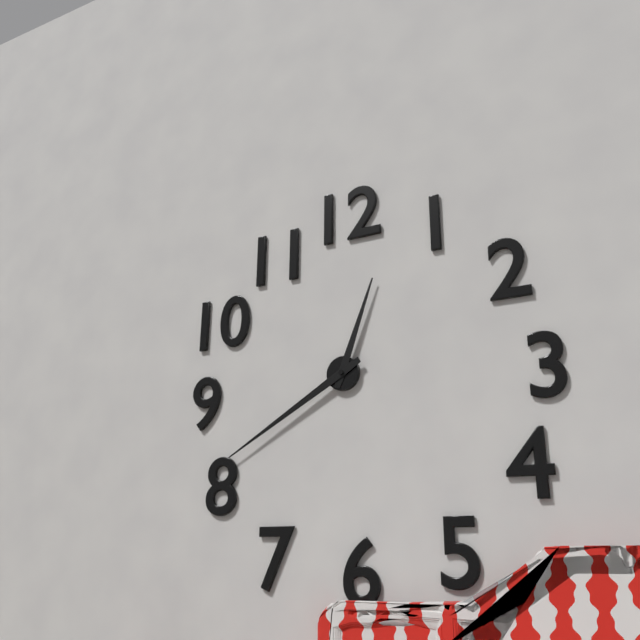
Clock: 12:40
